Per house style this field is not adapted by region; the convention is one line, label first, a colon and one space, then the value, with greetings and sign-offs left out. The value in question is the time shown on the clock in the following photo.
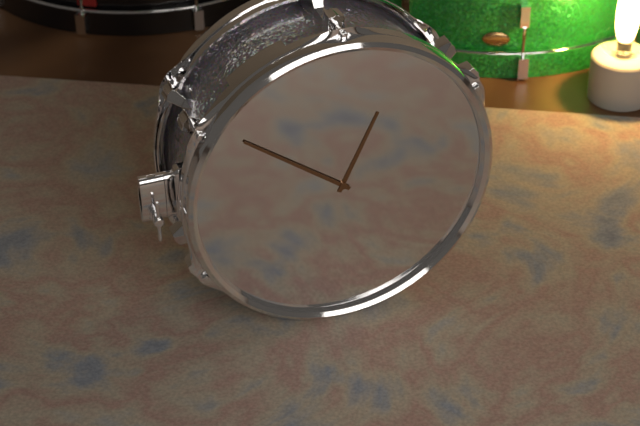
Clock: 12:51
